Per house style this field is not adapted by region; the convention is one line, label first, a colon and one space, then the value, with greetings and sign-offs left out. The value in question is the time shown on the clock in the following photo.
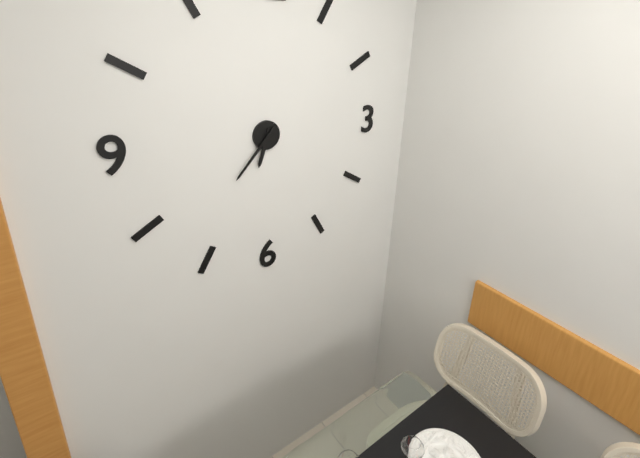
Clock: 6:37
